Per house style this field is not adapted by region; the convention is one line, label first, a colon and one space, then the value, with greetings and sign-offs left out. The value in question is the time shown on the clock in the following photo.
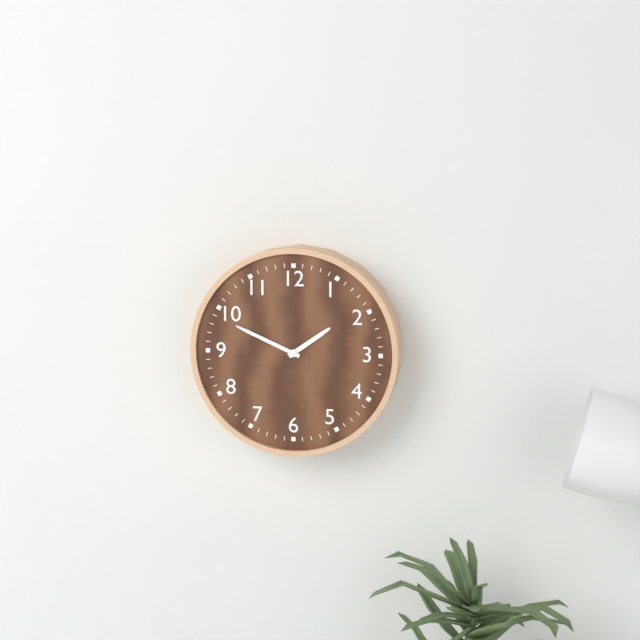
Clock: 1:49
